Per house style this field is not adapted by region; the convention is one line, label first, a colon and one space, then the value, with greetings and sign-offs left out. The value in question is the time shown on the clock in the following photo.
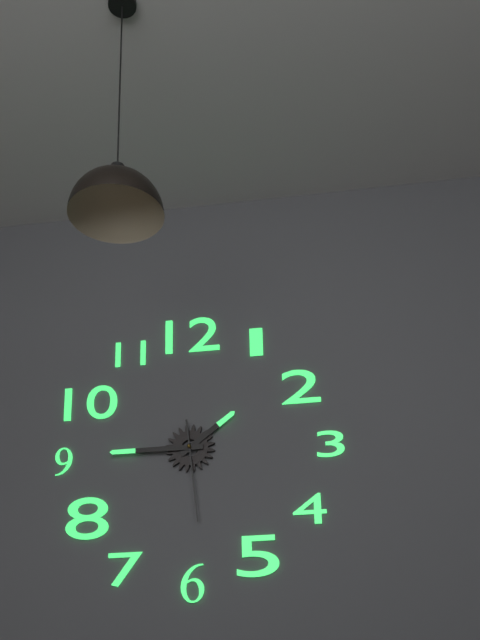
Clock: 1:45:29
